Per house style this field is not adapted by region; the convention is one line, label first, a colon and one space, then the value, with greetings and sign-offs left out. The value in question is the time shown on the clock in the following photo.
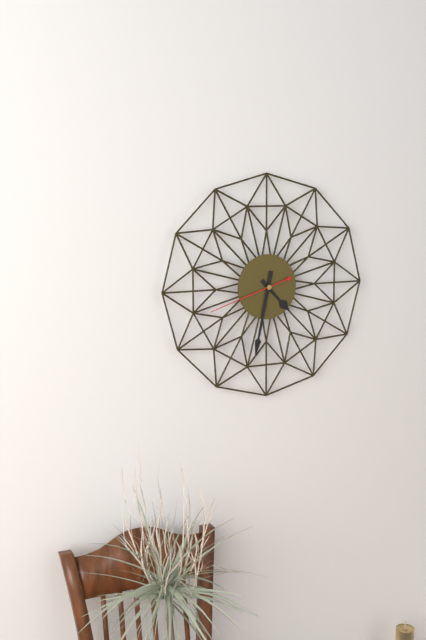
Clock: 4:32:42
